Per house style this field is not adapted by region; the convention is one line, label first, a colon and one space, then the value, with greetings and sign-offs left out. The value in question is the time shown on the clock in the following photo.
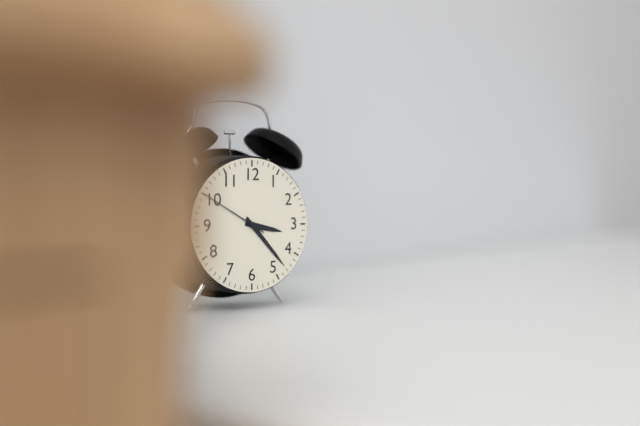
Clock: 3:23:50
